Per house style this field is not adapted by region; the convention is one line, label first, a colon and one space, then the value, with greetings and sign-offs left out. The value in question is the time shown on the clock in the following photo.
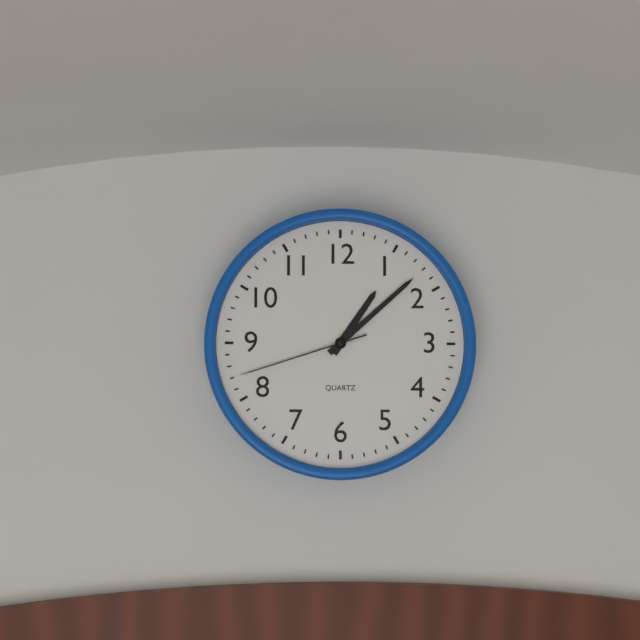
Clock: 1:08:42
